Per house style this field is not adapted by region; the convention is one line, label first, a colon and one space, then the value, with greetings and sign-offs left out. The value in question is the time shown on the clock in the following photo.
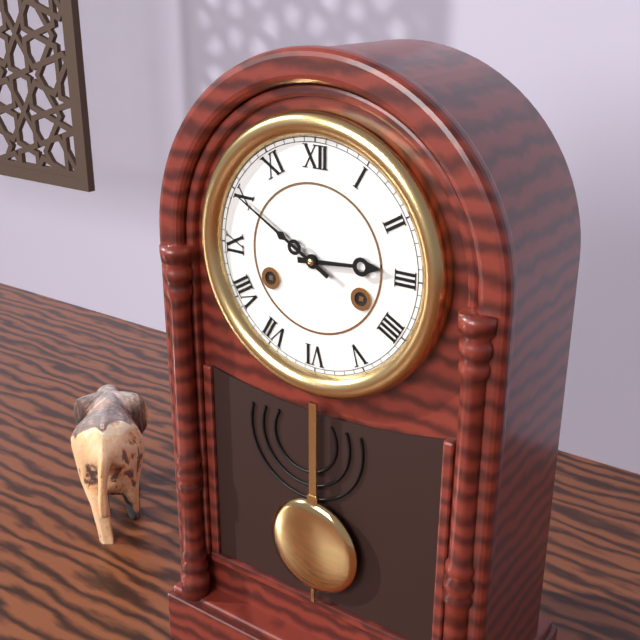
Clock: 2:50
